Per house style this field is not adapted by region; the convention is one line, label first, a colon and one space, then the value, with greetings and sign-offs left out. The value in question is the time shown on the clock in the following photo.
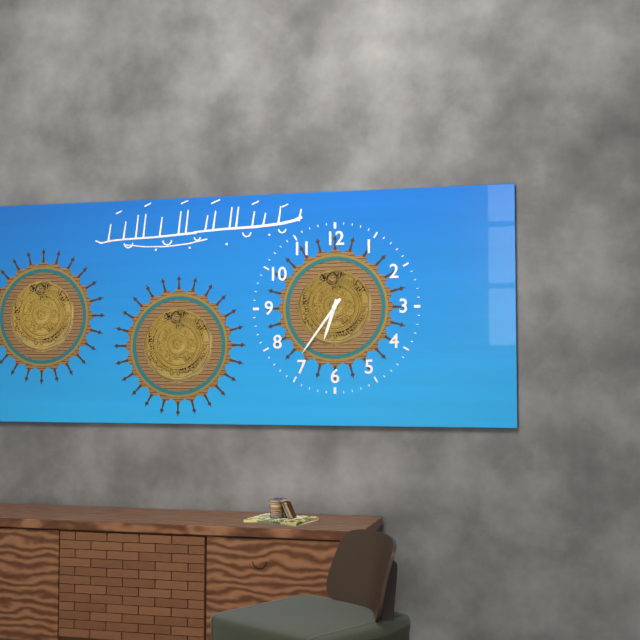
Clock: 6:36
